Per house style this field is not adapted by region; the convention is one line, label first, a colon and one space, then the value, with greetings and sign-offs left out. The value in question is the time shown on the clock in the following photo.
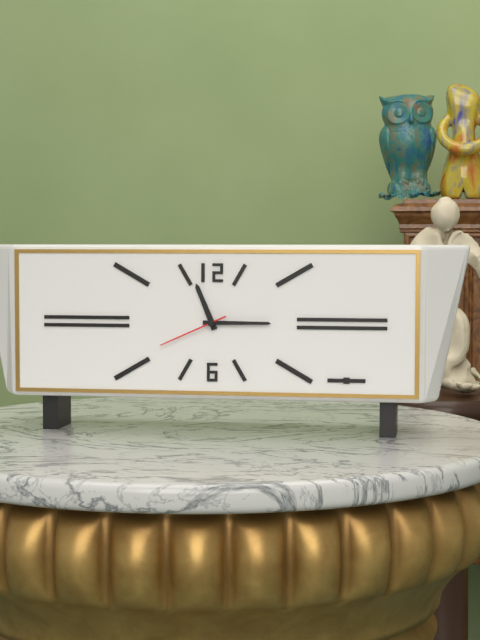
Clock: 11:15:41
